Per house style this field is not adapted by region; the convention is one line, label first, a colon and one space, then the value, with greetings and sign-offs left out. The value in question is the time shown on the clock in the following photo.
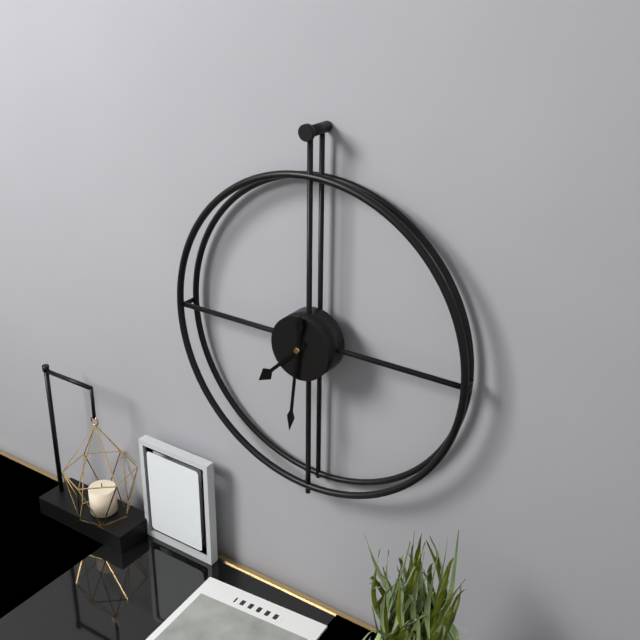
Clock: 7:31
